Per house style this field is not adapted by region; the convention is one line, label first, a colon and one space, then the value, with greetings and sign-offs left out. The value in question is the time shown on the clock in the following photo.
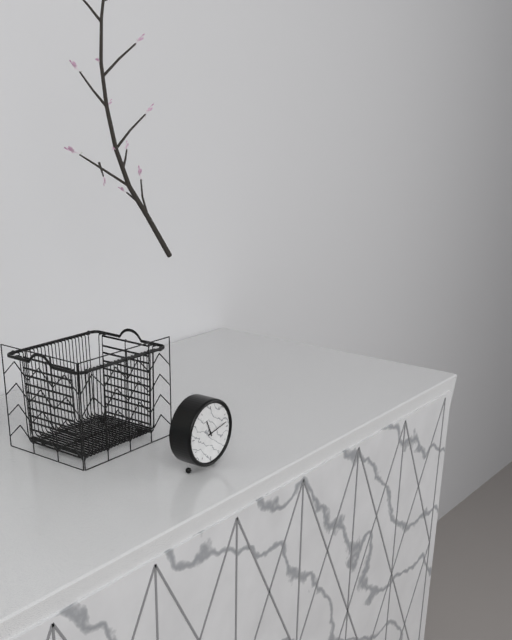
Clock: 11:13
